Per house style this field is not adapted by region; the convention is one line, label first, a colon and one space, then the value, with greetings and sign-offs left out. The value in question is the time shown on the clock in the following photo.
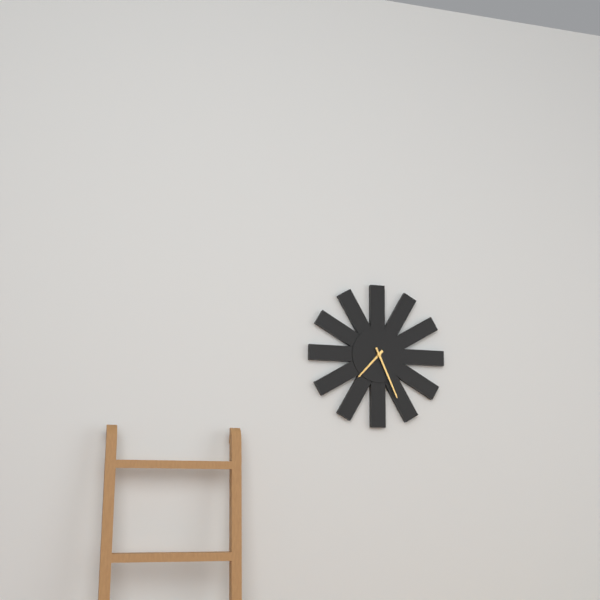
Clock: 7:26
